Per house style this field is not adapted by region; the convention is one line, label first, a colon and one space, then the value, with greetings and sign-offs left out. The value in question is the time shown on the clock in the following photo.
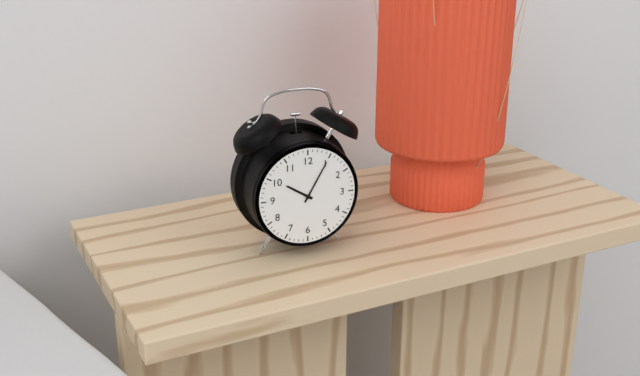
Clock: 10:05
